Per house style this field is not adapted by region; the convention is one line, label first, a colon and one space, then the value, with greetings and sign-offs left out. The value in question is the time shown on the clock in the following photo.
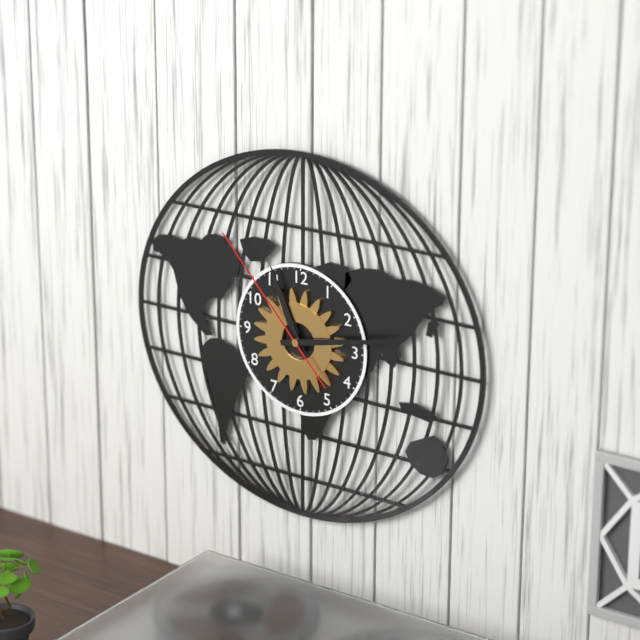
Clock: 11:13:53
